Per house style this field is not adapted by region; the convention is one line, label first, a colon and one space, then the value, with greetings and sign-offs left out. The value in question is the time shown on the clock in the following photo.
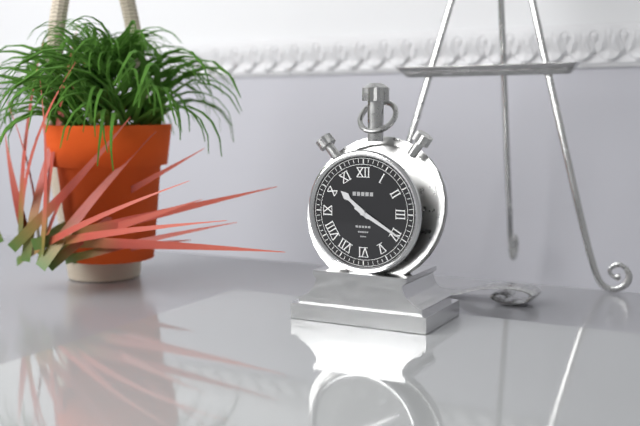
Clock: 10:20
